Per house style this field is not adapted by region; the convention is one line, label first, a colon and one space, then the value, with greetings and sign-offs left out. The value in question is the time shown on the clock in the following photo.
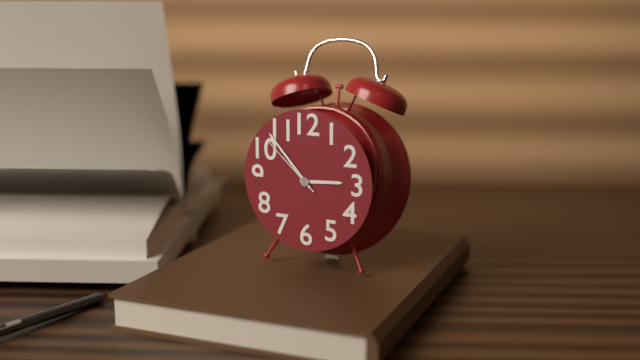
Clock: 2:53:52
